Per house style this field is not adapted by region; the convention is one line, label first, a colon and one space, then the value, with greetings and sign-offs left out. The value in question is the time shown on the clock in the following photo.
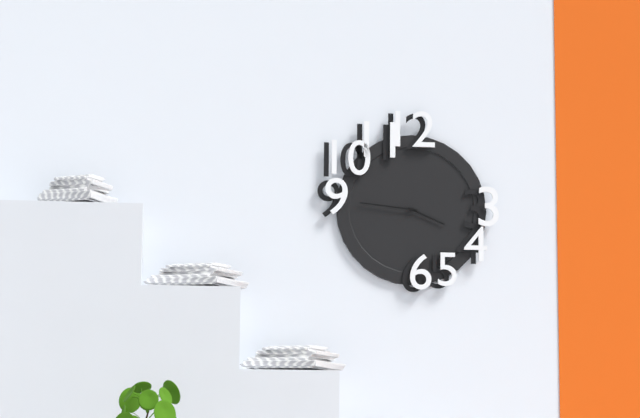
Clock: 3:46
